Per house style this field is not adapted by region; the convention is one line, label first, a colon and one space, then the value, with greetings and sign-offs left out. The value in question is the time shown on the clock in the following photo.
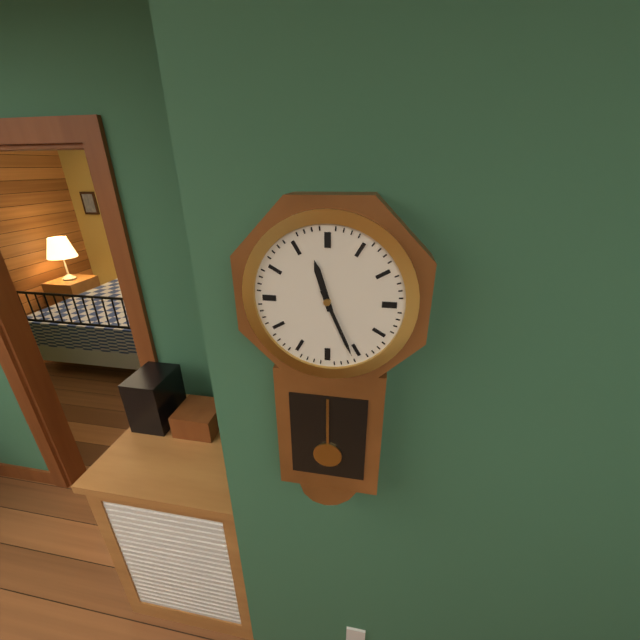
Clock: 11:26
